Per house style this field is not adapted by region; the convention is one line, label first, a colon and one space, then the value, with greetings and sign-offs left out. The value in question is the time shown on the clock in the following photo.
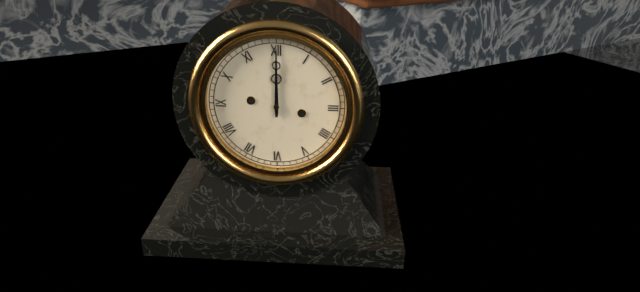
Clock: 12:00
